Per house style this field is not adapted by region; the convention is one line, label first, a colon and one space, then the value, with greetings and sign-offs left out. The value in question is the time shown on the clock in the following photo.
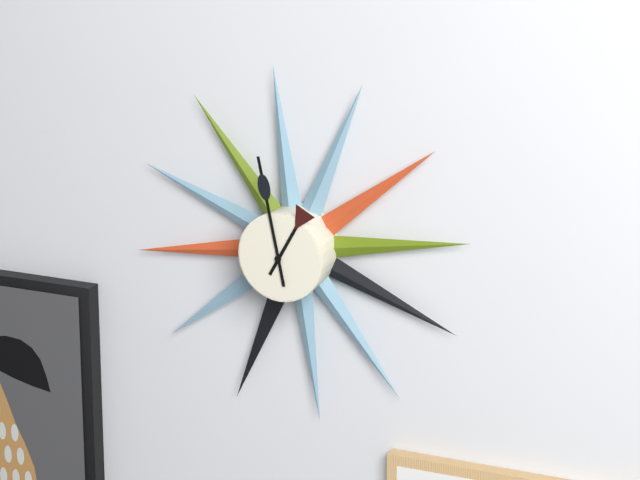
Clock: 12:58
